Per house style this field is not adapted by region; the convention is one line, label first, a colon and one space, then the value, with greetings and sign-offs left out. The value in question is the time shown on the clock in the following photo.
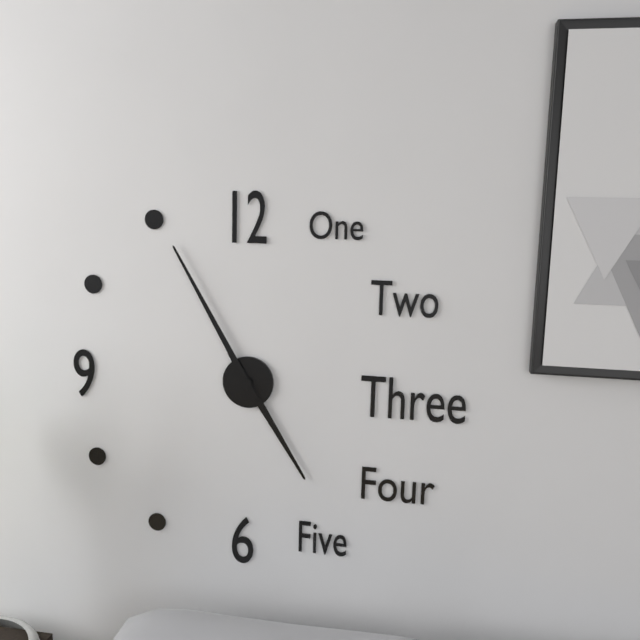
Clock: 4:55
